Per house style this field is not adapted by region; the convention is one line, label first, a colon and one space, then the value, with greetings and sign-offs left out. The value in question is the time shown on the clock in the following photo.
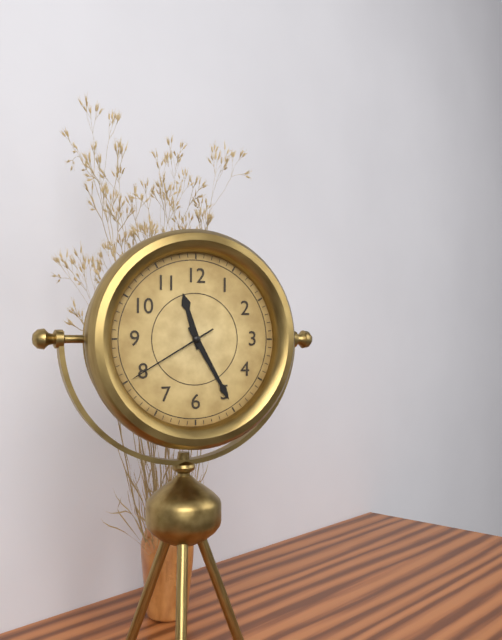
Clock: 11:25:40
